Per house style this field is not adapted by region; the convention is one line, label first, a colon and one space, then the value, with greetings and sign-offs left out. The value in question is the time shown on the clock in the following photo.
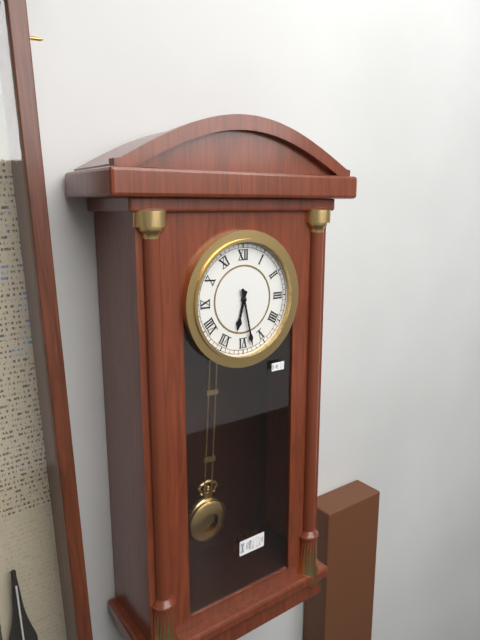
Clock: 6:28
